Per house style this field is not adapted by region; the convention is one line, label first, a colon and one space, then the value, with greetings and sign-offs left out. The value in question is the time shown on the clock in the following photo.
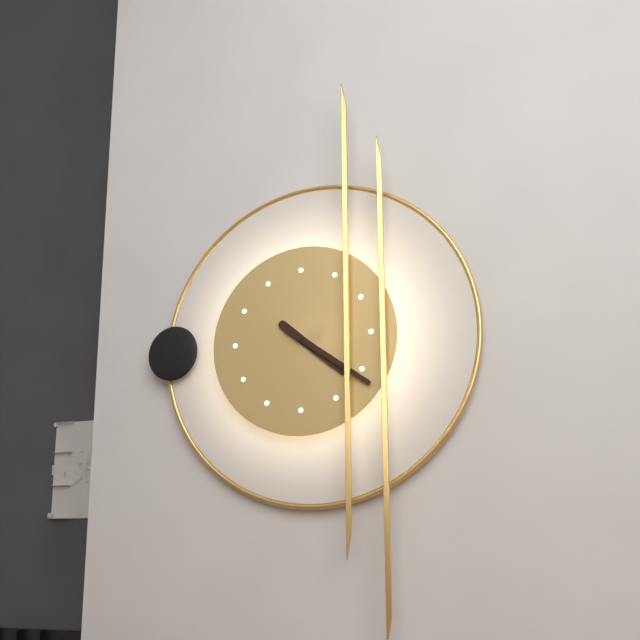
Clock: 4:21
